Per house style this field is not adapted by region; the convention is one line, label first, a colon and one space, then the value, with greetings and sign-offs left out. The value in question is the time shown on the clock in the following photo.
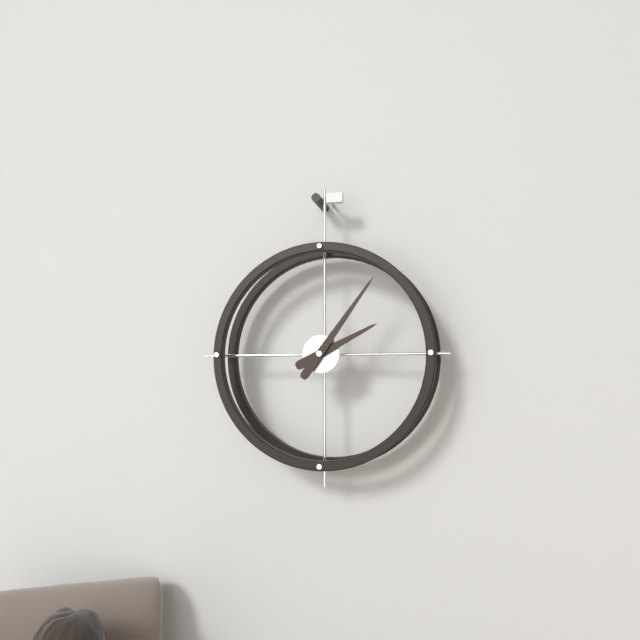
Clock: 2:06
